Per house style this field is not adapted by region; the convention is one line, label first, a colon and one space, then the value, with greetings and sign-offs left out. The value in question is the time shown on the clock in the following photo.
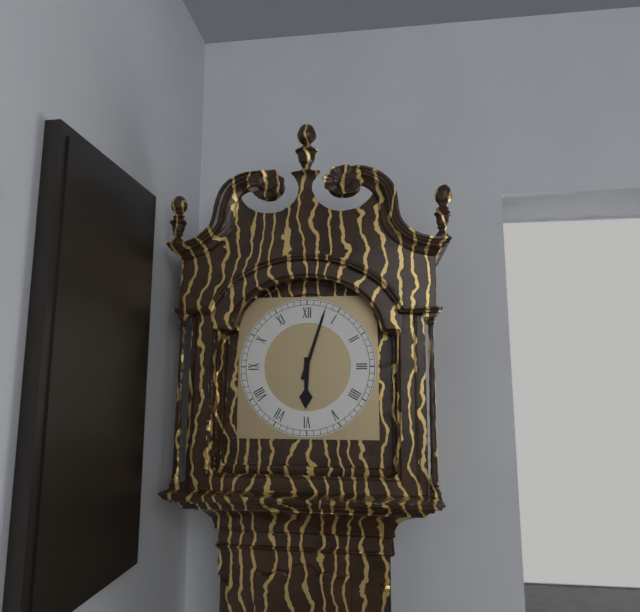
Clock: 6:03
